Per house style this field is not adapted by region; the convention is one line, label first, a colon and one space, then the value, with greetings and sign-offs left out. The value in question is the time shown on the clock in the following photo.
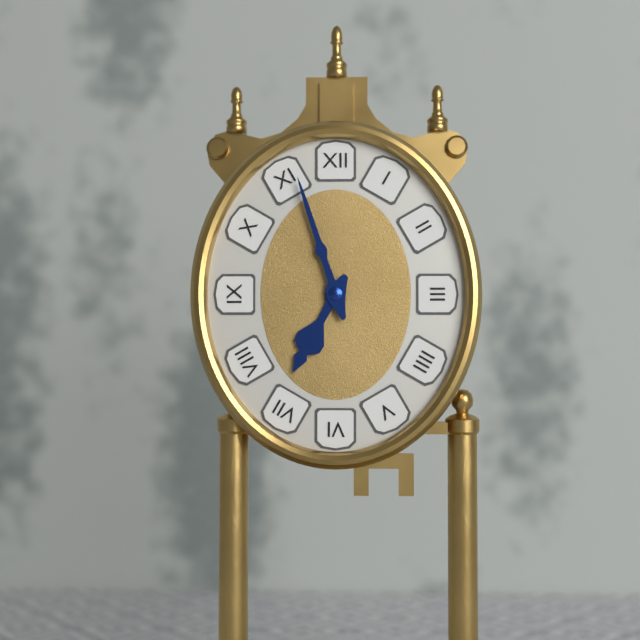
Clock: 6:57
